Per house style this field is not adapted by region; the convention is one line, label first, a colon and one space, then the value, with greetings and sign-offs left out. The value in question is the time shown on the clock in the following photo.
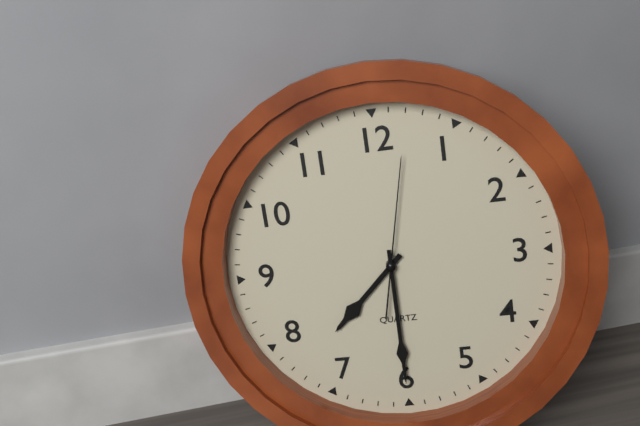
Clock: 7:30:02
